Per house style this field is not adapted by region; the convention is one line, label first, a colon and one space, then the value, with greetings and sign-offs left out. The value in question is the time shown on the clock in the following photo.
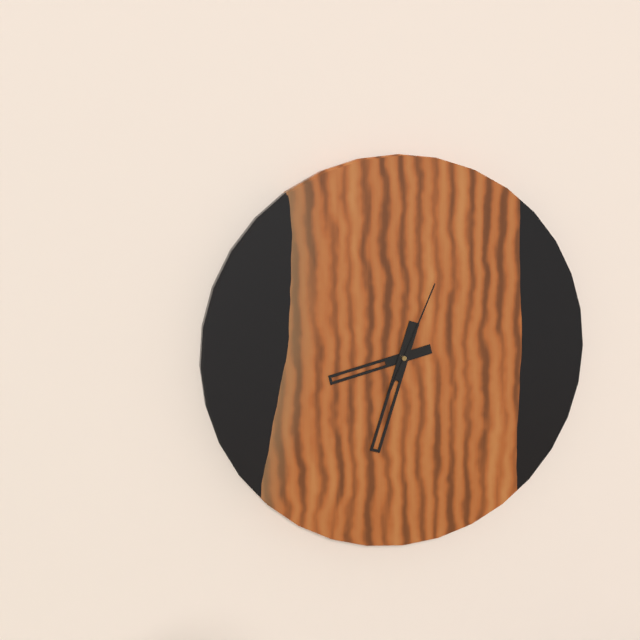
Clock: 8:33:04
